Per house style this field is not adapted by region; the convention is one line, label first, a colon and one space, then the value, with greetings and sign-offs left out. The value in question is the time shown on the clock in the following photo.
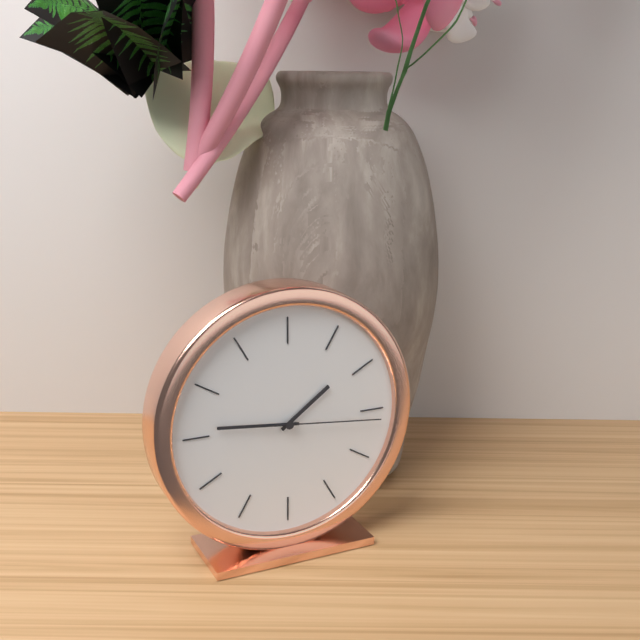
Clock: 1:46:16
